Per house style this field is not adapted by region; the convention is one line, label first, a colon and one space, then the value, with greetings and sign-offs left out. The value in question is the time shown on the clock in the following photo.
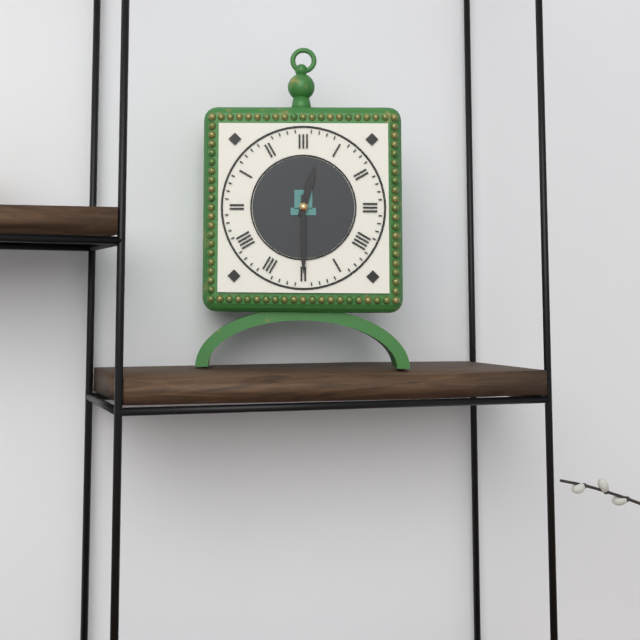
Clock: 12:30
